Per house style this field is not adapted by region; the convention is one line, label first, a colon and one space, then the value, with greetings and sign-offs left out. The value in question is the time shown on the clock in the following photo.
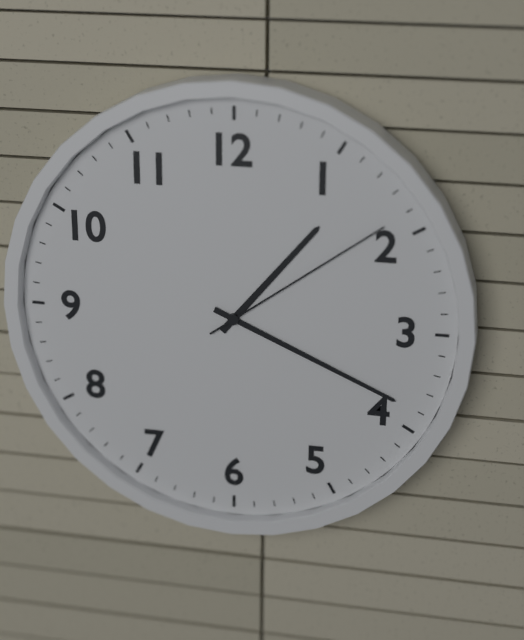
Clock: 1:19:09
